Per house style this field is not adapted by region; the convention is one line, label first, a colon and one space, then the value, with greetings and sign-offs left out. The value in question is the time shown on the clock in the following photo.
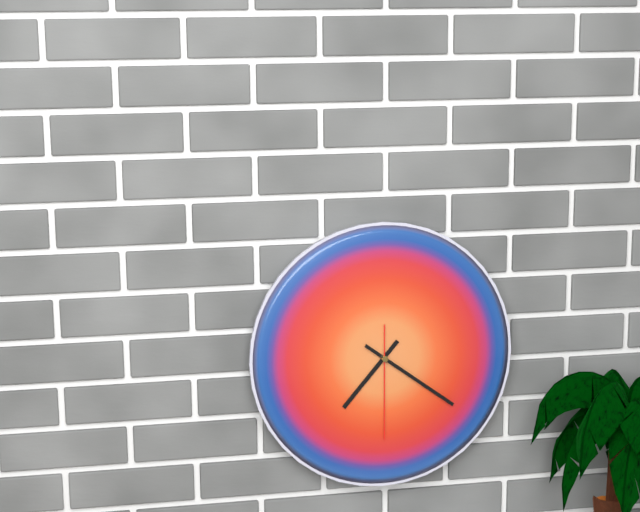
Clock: 7:21:30
